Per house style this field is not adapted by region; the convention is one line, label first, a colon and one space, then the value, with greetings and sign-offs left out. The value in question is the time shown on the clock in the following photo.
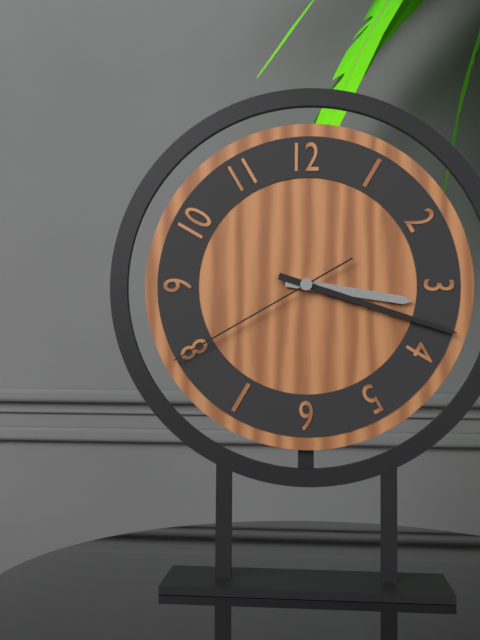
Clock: 3:18:40
